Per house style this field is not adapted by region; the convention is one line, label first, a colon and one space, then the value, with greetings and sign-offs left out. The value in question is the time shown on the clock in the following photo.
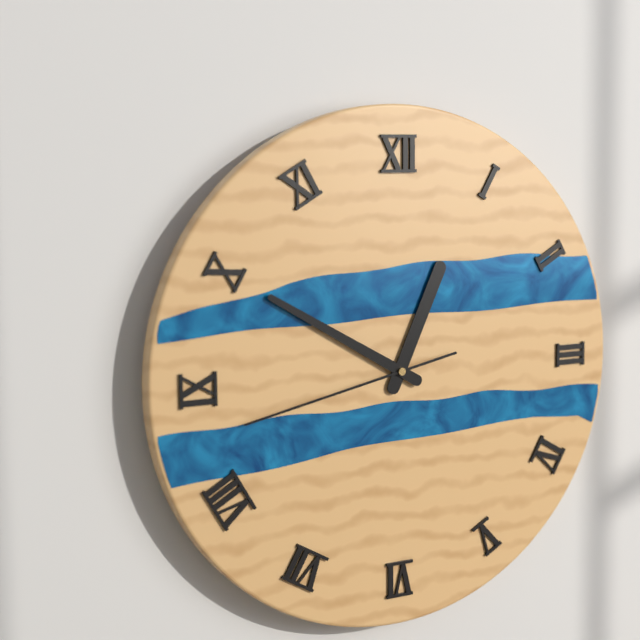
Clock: 12:50:43
